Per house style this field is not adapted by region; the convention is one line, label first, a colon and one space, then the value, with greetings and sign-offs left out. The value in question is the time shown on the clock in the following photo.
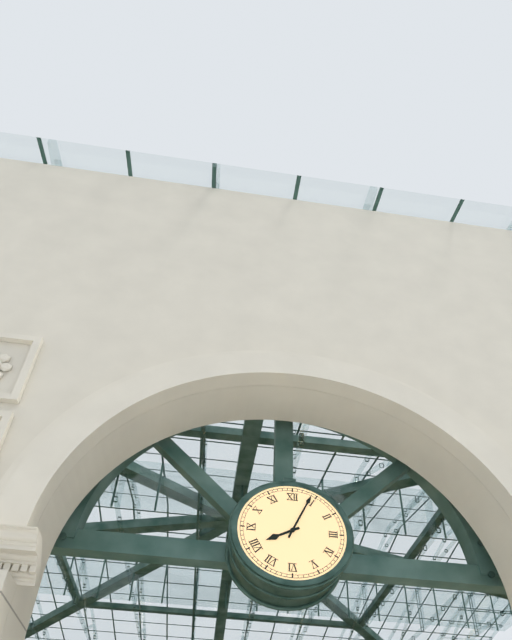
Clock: 8:04
